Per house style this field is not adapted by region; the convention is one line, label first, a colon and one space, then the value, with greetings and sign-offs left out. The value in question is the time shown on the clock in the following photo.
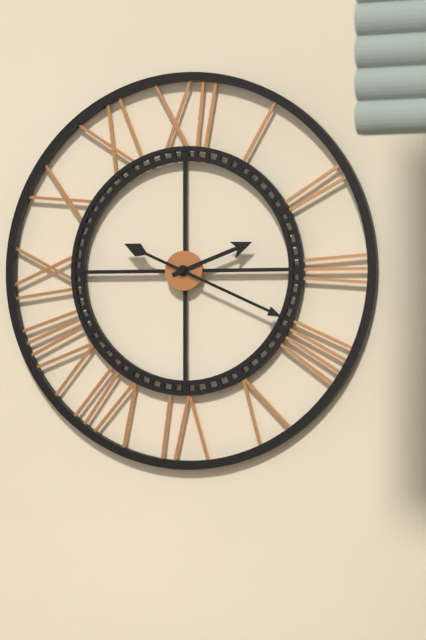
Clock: 2:19
